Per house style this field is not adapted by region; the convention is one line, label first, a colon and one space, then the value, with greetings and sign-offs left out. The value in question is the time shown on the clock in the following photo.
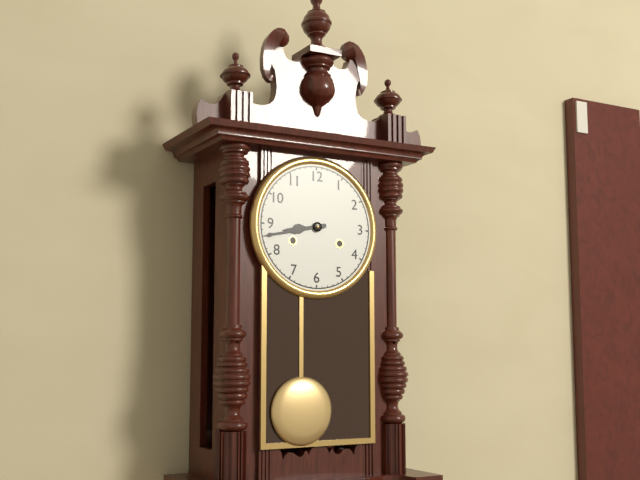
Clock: 8:43
